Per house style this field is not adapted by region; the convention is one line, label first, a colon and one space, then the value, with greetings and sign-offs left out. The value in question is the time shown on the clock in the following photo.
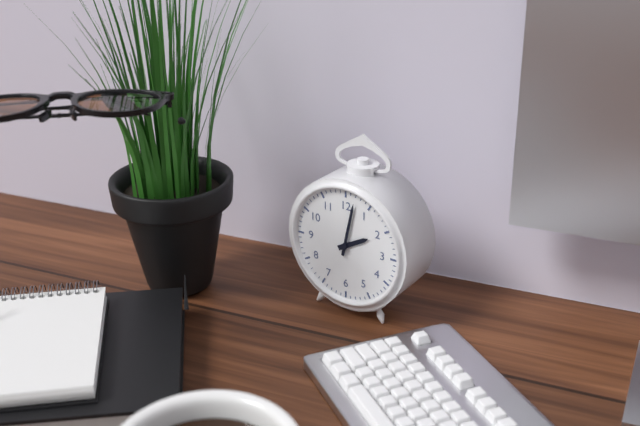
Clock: 2:02
